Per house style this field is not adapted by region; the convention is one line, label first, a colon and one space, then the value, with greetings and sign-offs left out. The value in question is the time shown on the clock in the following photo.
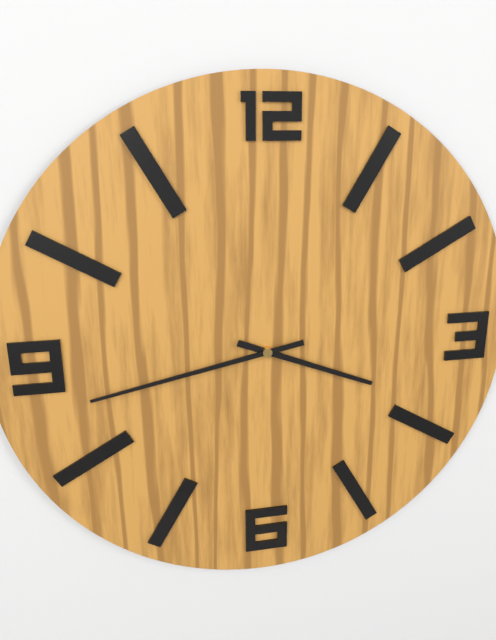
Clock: 3:43
